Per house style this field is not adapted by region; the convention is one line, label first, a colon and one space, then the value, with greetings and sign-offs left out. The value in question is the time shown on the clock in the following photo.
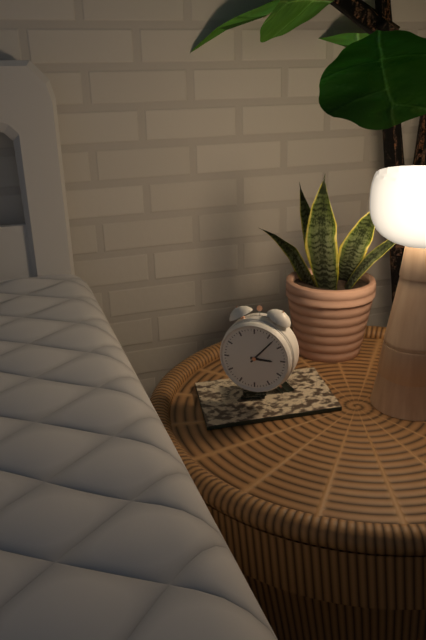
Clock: 3:07
